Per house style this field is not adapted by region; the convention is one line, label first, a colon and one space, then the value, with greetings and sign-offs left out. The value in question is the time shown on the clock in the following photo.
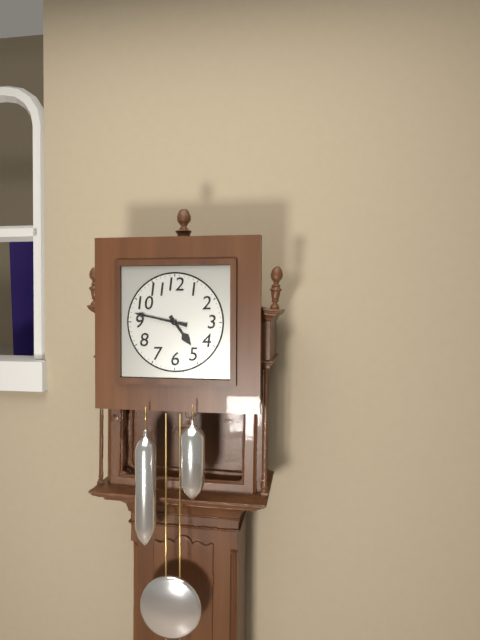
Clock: 4:47
